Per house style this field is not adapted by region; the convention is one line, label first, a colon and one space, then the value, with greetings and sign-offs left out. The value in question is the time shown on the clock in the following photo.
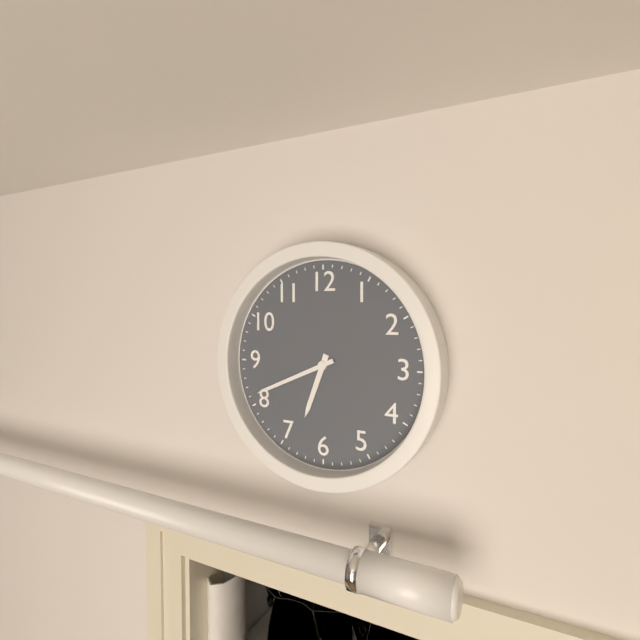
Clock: 6:41
